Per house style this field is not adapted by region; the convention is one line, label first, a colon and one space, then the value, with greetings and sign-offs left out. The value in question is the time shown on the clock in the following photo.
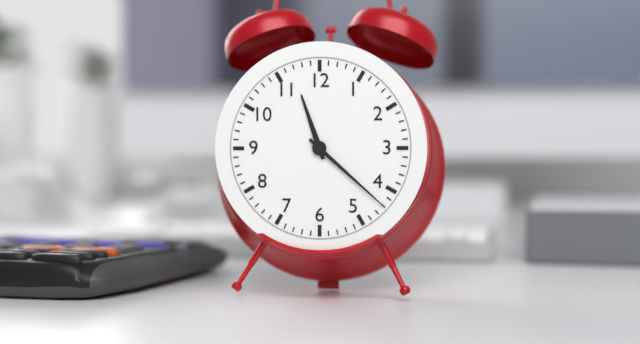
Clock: 11:22
